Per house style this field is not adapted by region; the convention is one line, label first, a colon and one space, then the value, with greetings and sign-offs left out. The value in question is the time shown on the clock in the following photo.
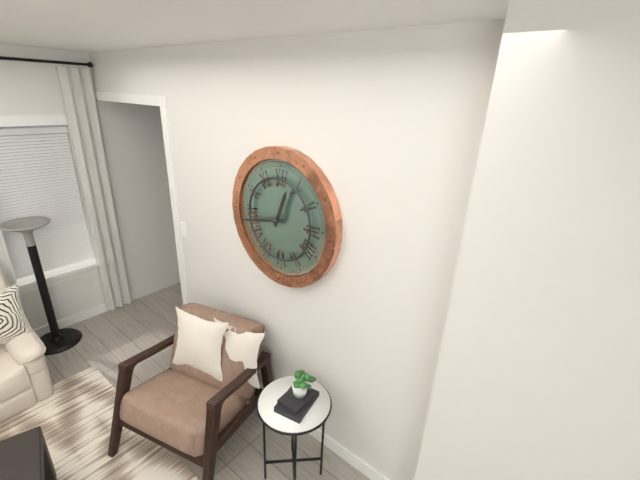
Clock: 12:43
